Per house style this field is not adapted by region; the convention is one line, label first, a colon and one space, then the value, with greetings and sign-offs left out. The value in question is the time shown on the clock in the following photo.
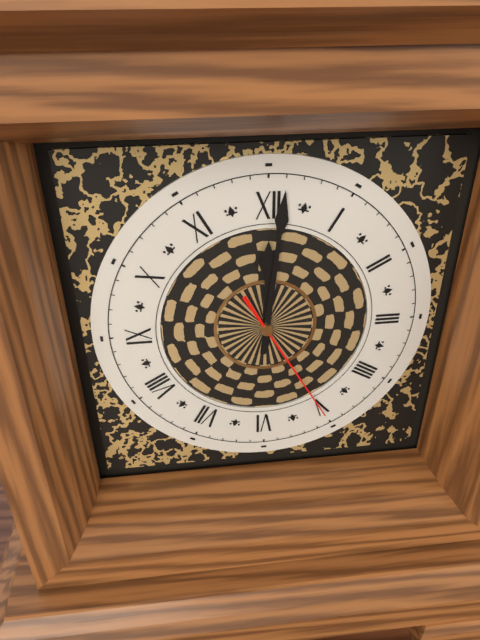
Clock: 12:01:25
